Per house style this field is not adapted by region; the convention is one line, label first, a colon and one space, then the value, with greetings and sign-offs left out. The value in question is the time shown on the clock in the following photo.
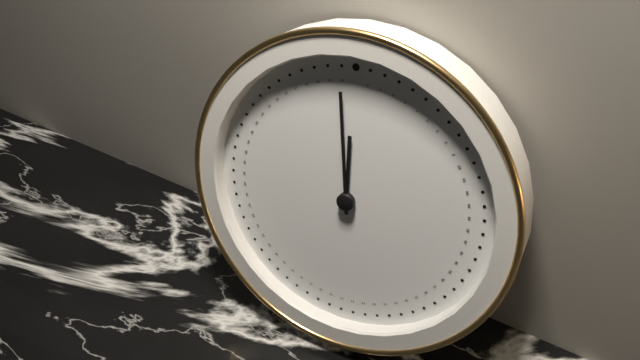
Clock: 11:59
